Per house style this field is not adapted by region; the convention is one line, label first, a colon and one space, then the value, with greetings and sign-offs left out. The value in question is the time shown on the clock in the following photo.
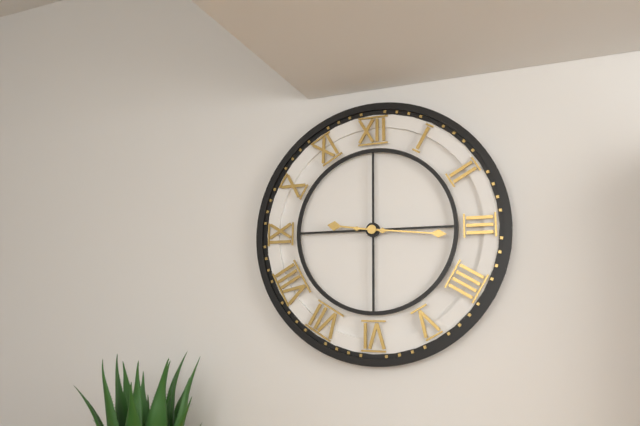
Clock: 9:16
